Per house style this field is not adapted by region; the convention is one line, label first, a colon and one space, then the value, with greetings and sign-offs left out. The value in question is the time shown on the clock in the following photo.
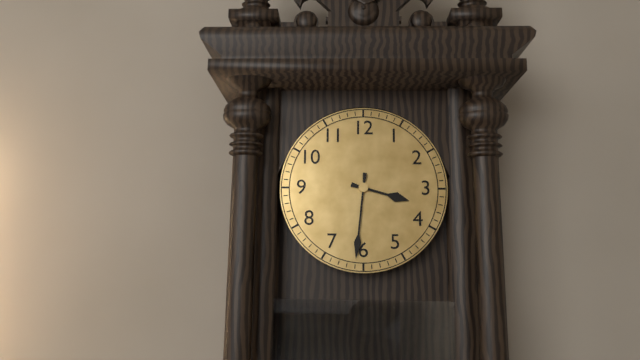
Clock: 3:31
